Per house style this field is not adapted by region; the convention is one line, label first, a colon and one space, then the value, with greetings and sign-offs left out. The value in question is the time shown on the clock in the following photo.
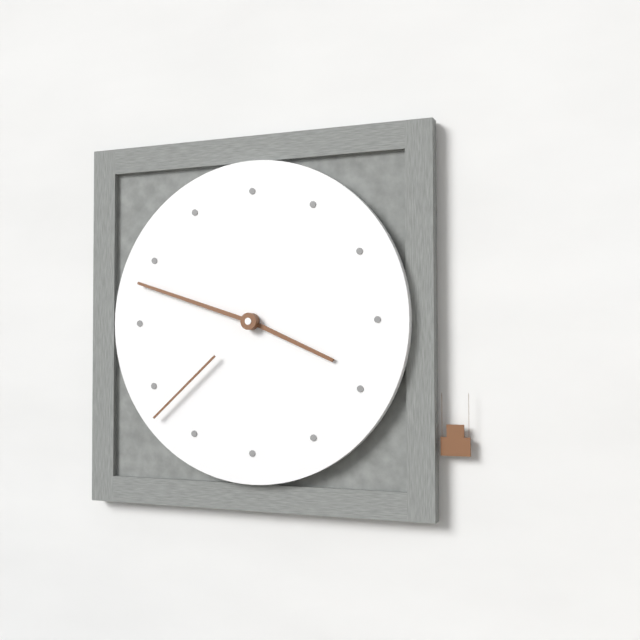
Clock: 3:48:38
